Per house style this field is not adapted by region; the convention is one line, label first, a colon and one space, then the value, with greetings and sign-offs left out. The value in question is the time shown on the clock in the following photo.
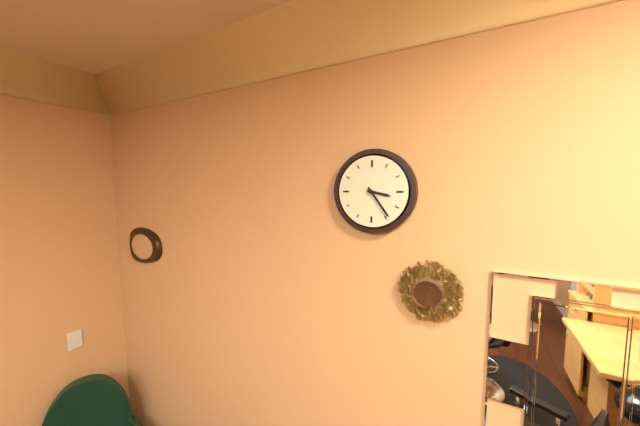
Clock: 3:24
